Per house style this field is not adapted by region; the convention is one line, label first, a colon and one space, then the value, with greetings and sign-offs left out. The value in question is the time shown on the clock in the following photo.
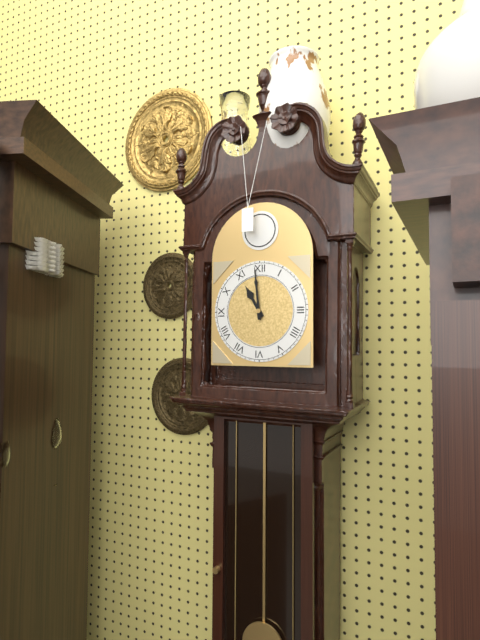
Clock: 10:59
